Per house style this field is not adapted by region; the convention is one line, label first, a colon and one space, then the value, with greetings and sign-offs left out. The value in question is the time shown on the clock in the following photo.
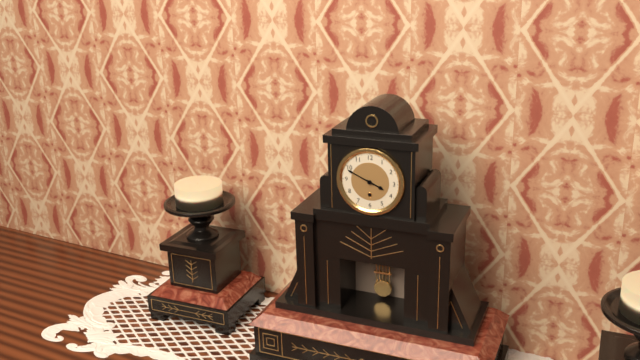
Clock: 3:49
